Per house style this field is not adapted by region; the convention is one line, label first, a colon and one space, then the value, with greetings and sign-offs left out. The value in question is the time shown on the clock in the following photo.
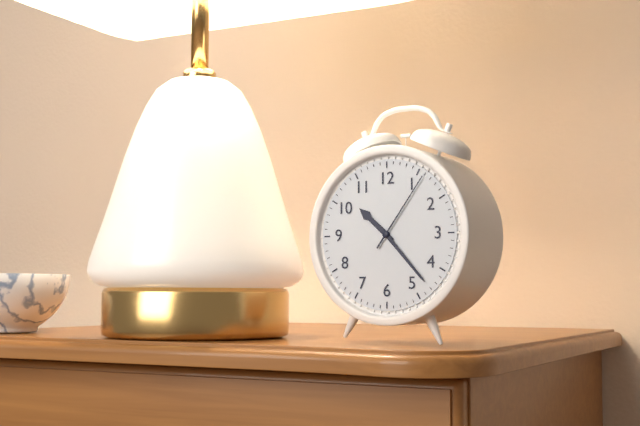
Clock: 10:23:06
